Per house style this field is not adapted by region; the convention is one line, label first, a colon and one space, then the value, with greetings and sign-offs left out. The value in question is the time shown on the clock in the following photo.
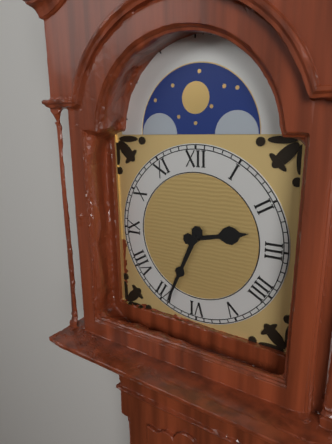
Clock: 2:34
